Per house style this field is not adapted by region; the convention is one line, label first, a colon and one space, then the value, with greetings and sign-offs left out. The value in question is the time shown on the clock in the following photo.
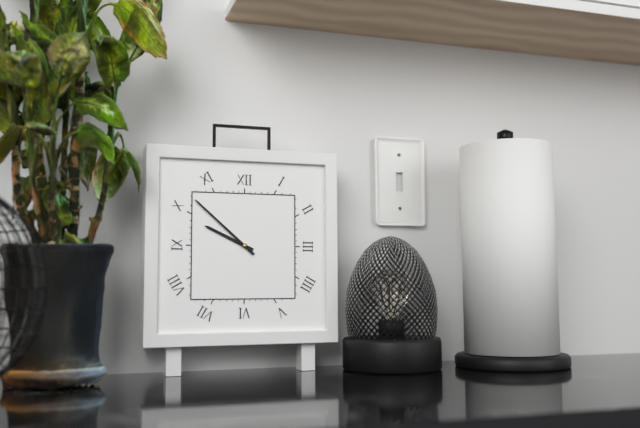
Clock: 9:52
